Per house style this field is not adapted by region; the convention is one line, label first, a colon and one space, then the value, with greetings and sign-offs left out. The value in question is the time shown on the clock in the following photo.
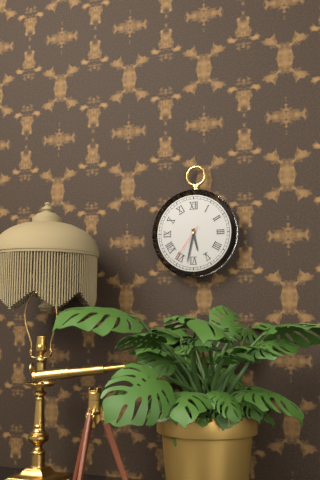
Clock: 5:32
